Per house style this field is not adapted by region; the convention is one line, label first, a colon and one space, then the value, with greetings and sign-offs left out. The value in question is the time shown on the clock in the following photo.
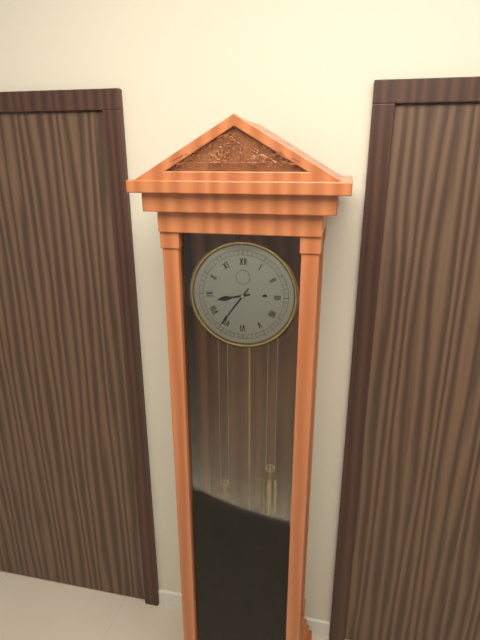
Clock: 8:36
